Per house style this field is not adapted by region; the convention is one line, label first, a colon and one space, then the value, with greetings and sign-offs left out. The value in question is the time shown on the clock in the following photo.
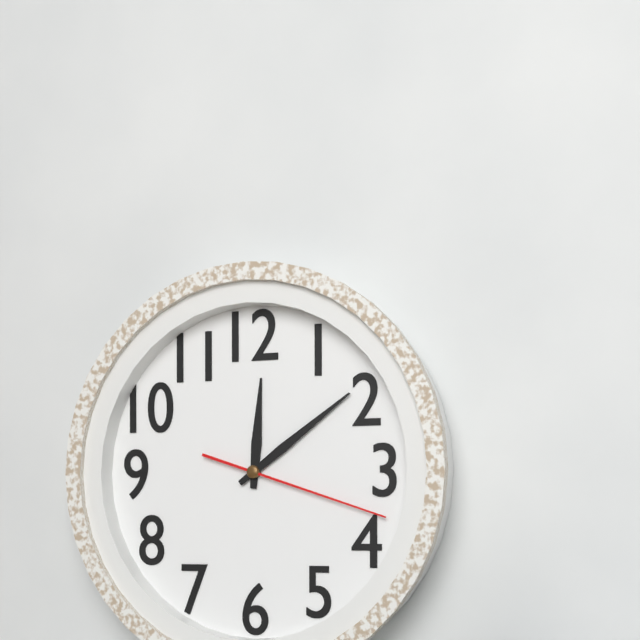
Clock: 12:09:18
